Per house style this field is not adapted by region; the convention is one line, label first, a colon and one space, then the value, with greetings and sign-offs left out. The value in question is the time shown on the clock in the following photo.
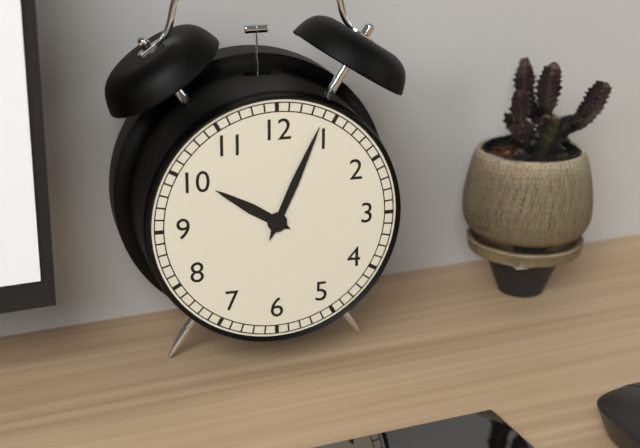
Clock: 10:04
